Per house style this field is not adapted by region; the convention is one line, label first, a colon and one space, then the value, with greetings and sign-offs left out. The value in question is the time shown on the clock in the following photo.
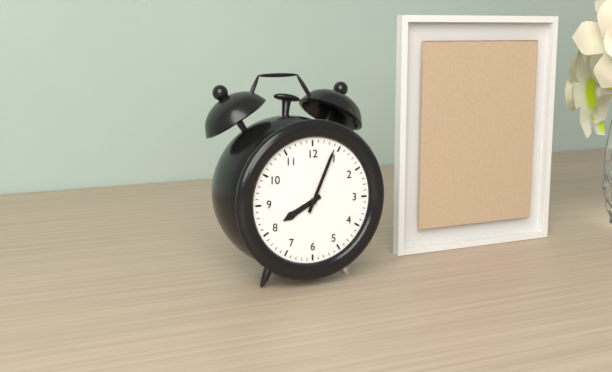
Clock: 8:04
